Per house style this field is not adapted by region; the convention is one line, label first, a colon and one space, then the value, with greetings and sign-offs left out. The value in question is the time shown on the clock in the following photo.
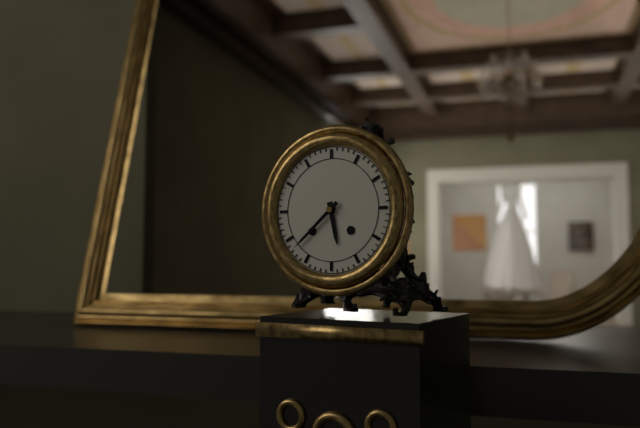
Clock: 5:38
